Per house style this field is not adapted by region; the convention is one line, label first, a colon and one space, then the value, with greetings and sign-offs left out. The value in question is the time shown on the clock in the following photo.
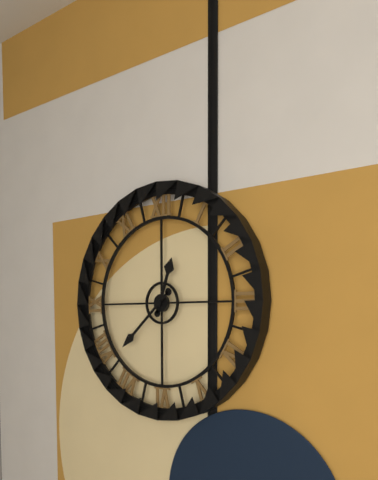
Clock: 12:38
